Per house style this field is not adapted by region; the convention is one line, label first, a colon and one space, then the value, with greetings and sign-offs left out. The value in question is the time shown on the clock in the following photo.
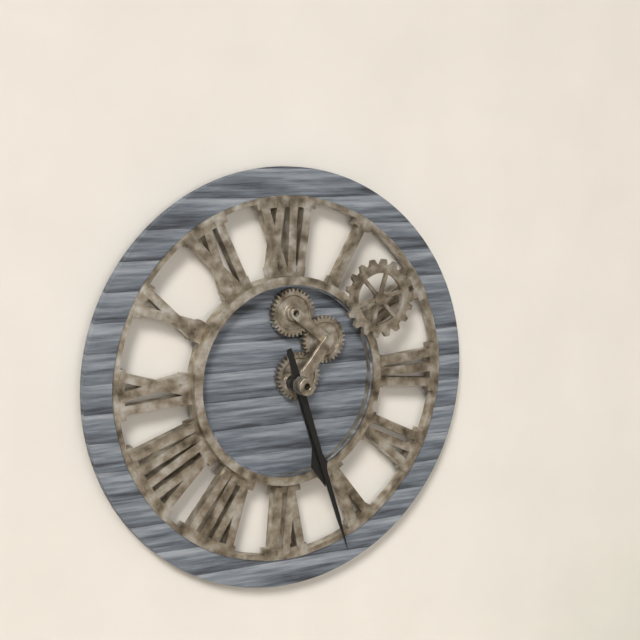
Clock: 5:27
